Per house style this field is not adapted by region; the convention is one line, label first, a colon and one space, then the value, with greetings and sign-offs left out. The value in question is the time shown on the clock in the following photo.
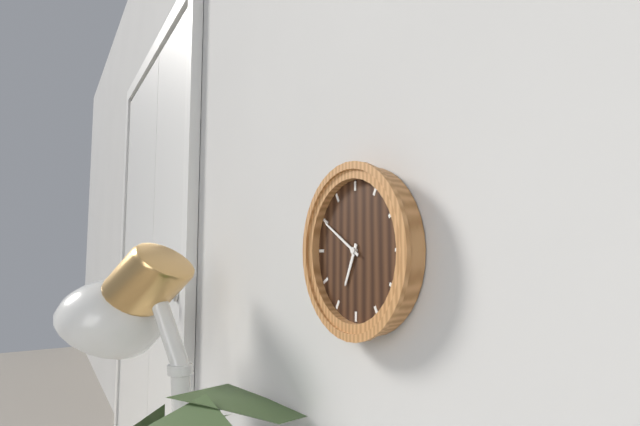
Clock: 6:50
